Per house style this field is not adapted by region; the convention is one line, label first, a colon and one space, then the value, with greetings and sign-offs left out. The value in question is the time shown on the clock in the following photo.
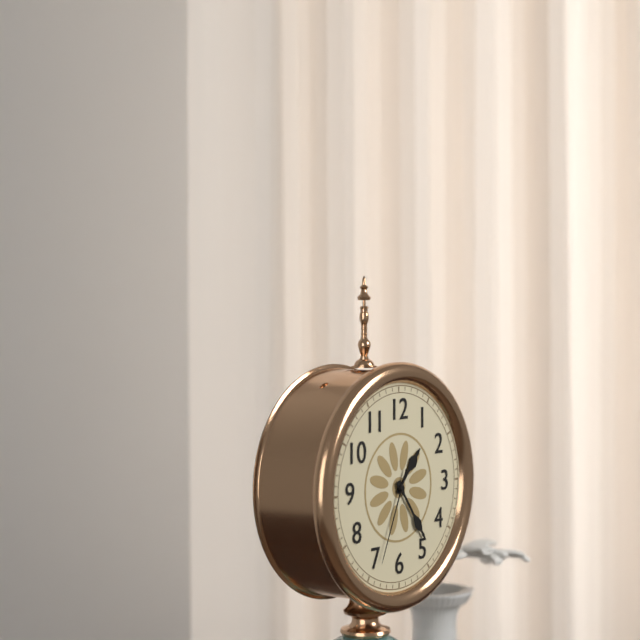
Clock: 1:24:34
